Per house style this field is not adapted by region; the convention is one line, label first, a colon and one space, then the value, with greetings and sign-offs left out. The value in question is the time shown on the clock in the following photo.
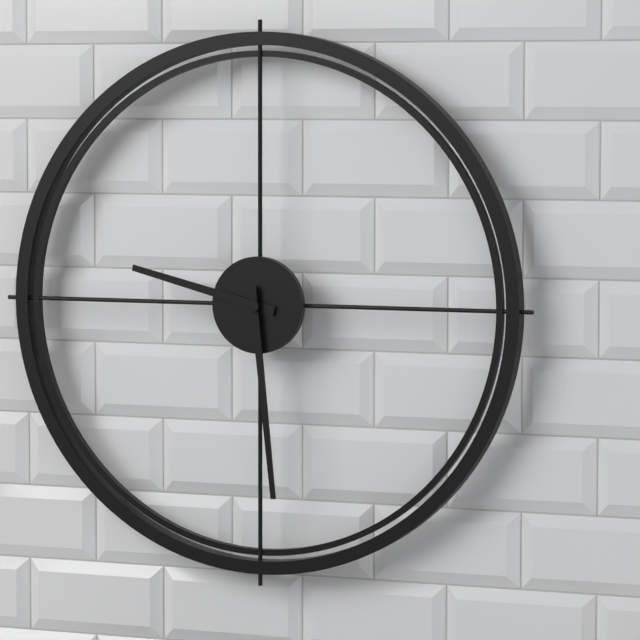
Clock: 9:29
